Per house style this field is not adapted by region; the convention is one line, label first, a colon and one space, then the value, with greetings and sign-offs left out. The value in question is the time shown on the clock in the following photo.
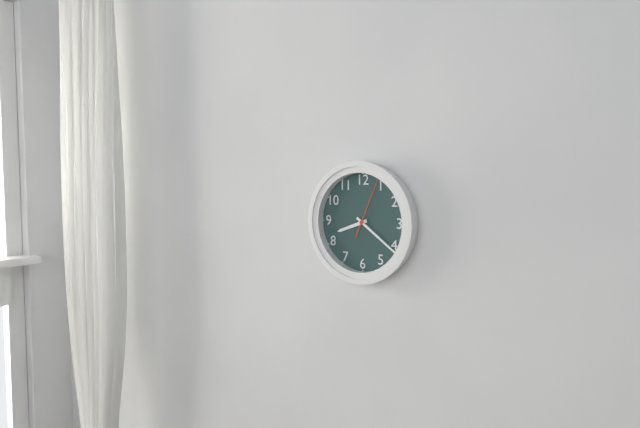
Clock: 8:21:04
